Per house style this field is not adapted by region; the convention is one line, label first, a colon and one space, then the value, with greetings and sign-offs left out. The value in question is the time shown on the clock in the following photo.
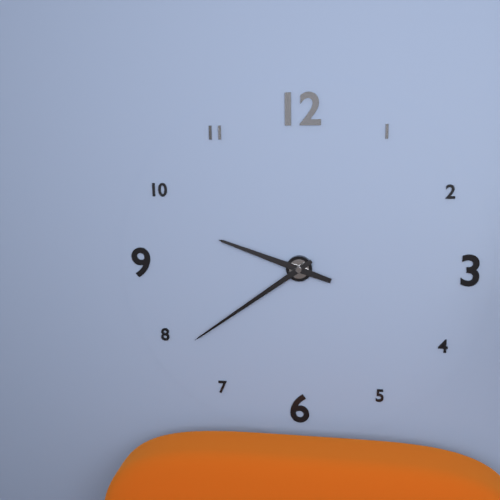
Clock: 9:39
